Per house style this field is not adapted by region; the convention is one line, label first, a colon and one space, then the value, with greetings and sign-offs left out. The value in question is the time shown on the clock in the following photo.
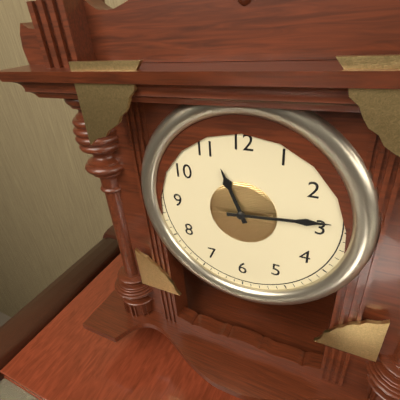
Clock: 11:14
